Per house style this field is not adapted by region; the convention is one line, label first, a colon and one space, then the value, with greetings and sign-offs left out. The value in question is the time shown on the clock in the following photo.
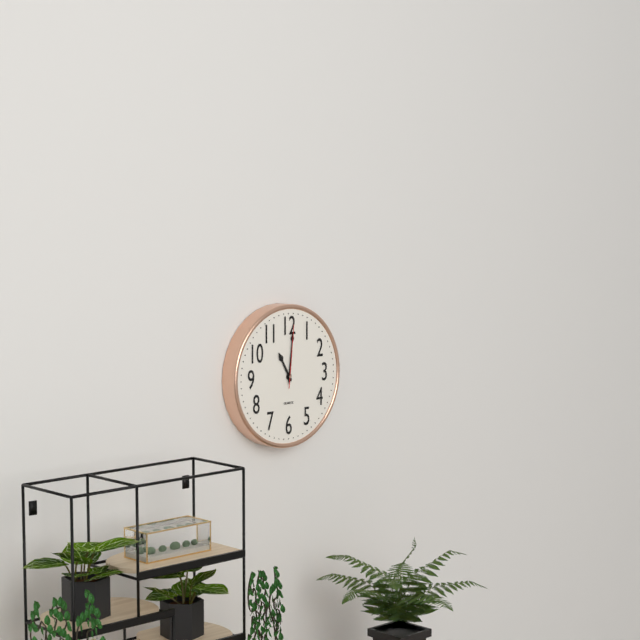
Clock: 11:01:01
